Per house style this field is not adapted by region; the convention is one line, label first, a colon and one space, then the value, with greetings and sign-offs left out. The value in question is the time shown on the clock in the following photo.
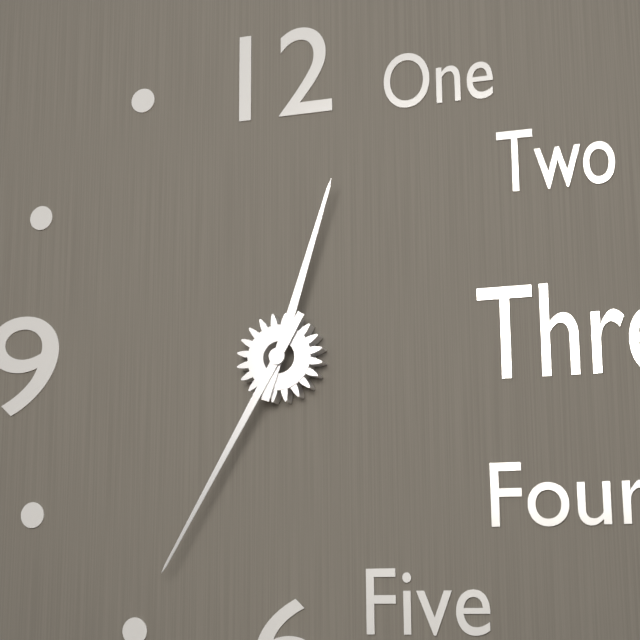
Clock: 12:35
